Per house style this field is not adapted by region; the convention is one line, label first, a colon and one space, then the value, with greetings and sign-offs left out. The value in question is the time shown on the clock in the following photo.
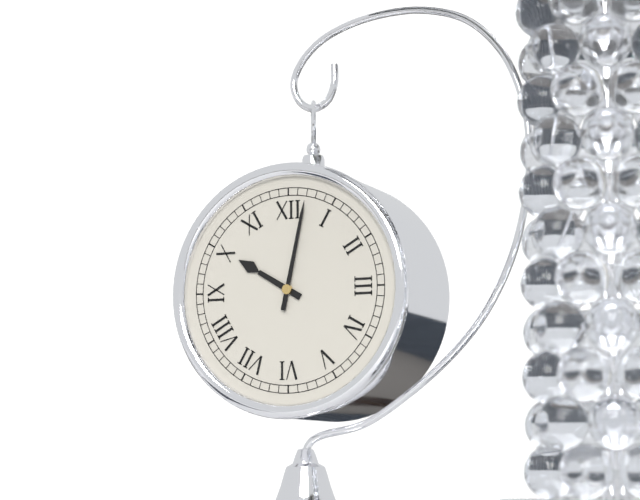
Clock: 10:02
